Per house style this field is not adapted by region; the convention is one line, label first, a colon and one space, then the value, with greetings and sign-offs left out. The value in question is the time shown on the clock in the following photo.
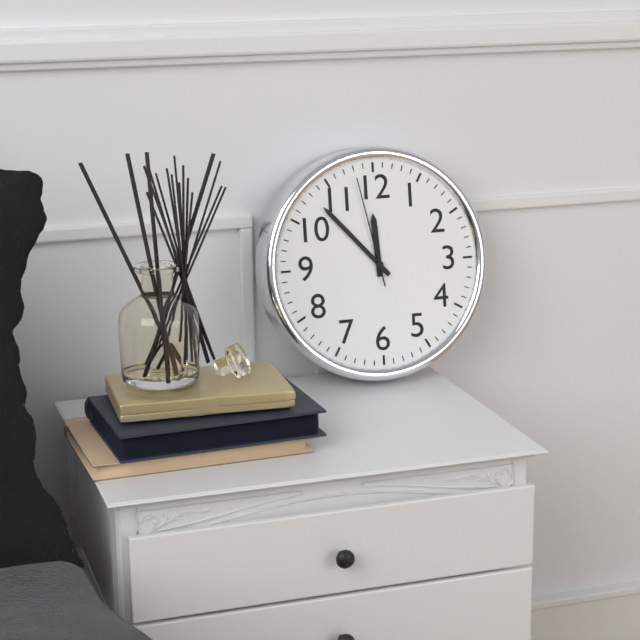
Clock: 11:53:58
